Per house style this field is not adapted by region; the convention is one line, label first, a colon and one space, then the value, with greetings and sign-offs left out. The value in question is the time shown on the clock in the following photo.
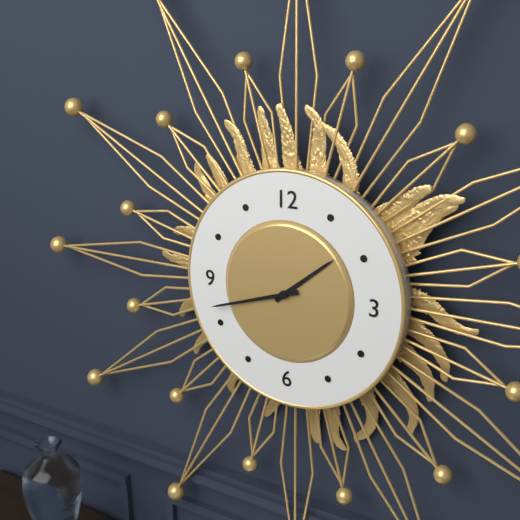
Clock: 1:42
